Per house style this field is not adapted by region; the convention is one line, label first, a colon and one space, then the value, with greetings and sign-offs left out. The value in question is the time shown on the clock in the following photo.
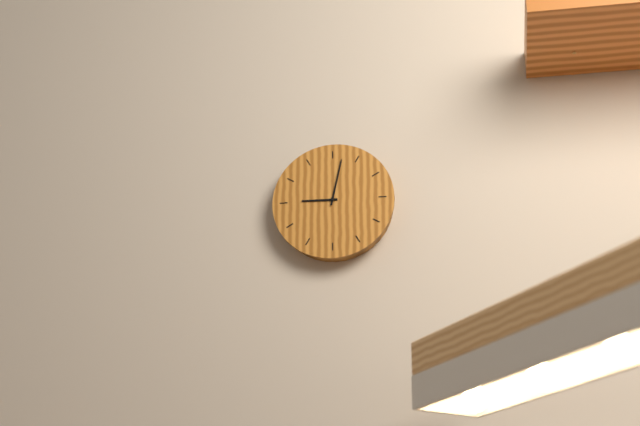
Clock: 9:02
